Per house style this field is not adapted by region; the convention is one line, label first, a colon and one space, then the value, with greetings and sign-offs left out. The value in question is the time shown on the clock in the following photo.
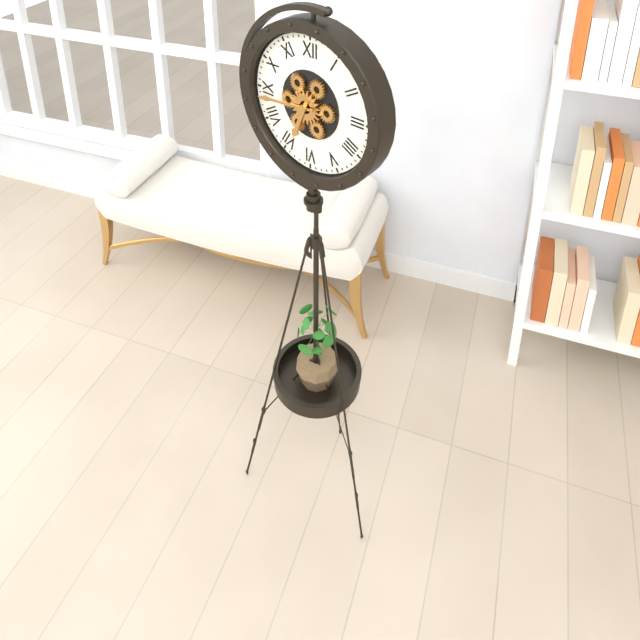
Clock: 6:44
